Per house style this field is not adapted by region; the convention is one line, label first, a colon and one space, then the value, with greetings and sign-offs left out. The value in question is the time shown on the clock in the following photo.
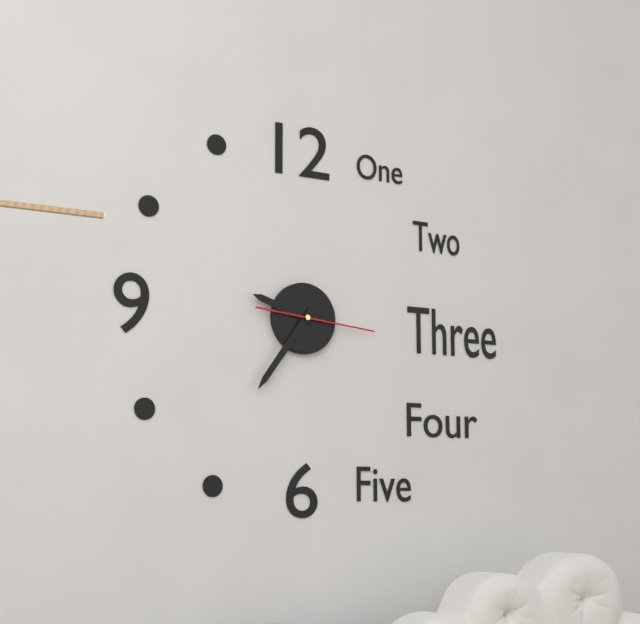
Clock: 9:36:16
